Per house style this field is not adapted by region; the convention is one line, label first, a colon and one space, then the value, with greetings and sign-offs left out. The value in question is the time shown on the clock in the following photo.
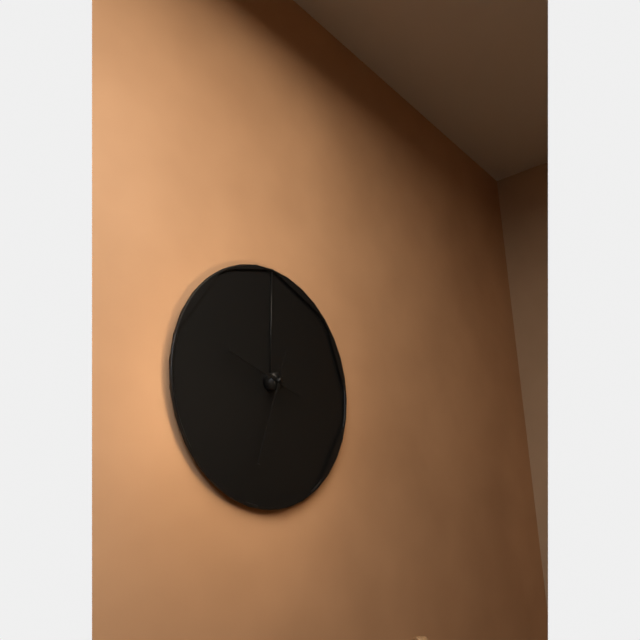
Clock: 9:33
